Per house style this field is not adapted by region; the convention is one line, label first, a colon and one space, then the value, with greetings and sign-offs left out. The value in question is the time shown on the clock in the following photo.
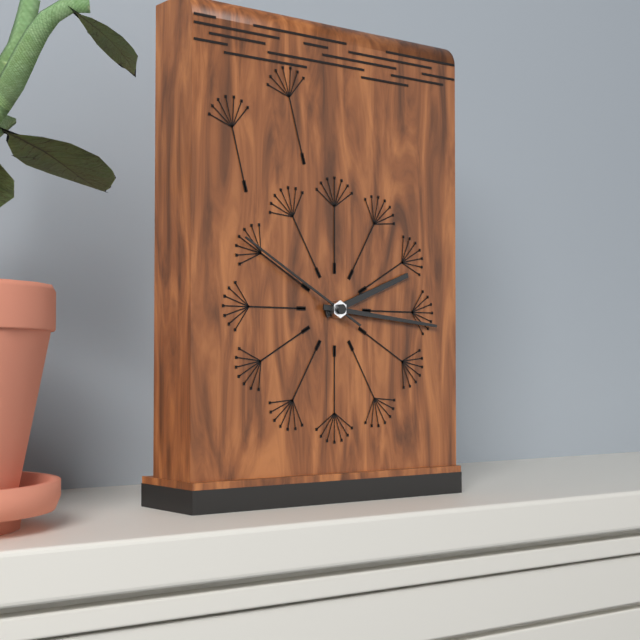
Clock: 2:16:50
